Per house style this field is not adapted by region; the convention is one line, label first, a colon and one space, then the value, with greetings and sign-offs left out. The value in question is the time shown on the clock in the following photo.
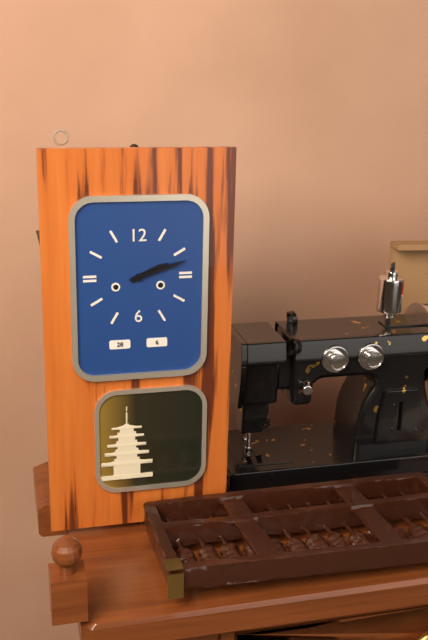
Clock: 2:12
